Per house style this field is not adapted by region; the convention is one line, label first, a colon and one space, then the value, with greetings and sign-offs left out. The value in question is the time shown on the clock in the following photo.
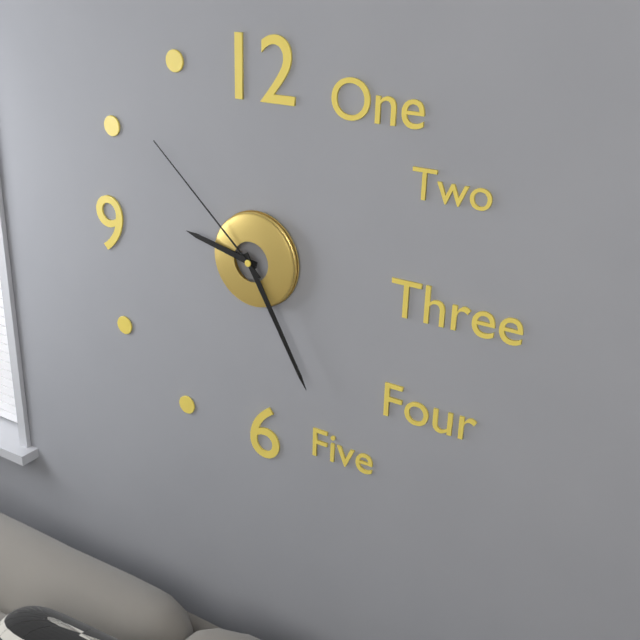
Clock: 9:25:52
